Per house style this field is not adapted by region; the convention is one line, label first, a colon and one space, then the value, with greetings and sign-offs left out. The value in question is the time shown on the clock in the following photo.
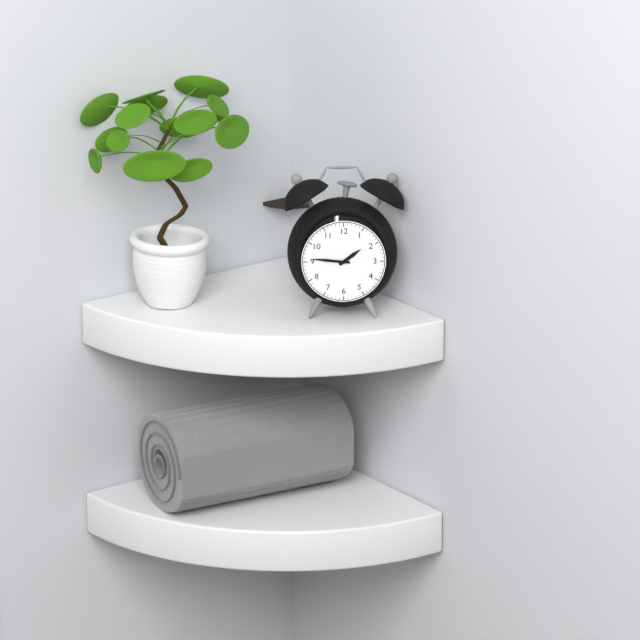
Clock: 1:46
